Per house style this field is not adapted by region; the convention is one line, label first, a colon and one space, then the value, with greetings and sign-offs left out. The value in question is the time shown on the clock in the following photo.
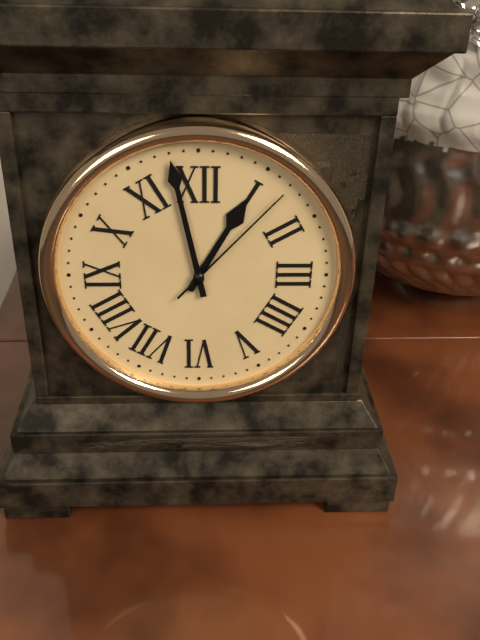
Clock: 12:58:07
